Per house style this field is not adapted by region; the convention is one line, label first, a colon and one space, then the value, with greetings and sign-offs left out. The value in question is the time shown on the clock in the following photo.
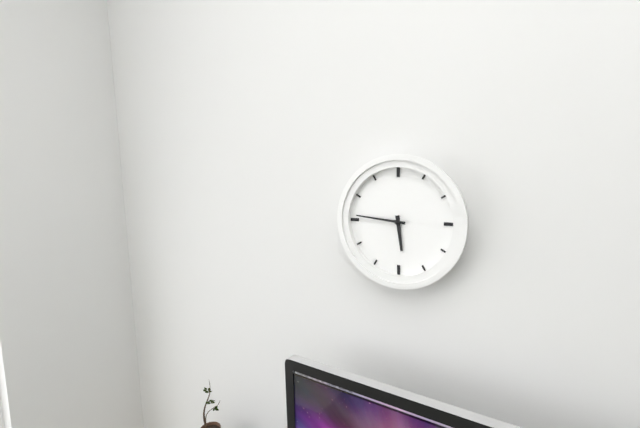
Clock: 5:46
